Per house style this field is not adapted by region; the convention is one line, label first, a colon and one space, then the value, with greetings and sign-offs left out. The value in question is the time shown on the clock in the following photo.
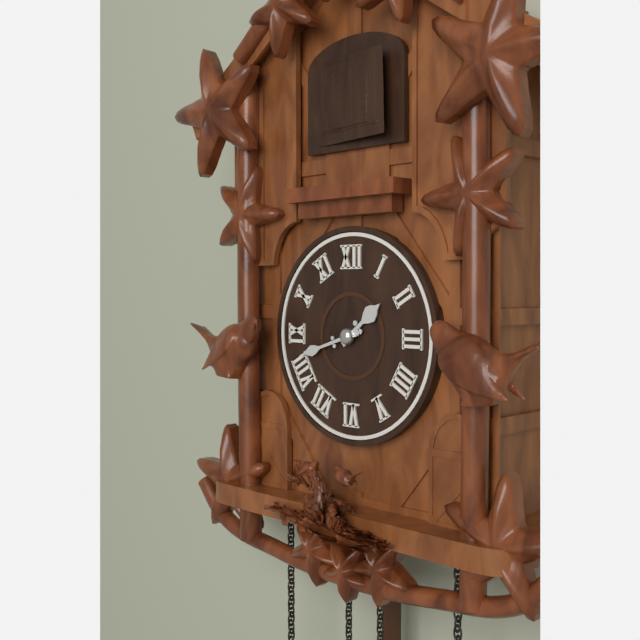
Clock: 1:42
